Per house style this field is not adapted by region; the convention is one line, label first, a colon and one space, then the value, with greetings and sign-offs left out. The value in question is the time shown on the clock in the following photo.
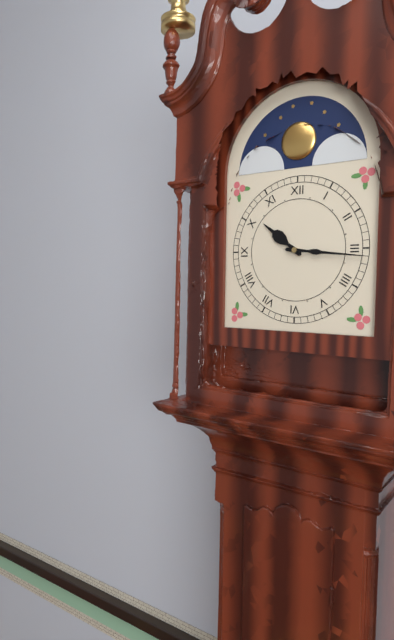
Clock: 10:16
